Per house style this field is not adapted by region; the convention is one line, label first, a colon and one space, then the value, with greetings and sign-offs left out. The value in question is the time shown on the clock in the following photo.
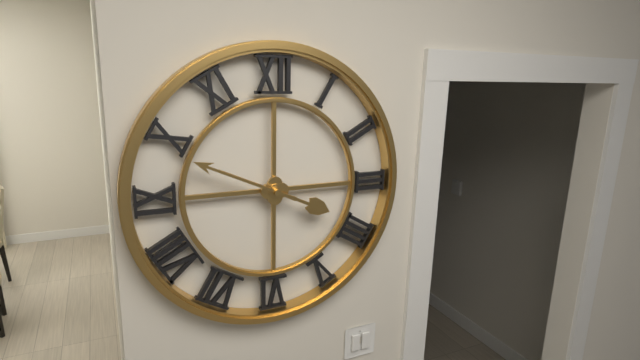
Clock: 3:49
